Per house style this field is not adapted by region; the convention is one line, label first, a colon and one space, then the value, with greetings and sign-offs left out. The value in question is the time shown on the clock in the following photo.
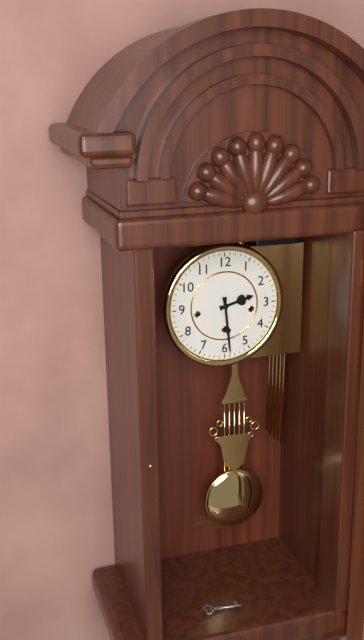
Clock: 2:29
